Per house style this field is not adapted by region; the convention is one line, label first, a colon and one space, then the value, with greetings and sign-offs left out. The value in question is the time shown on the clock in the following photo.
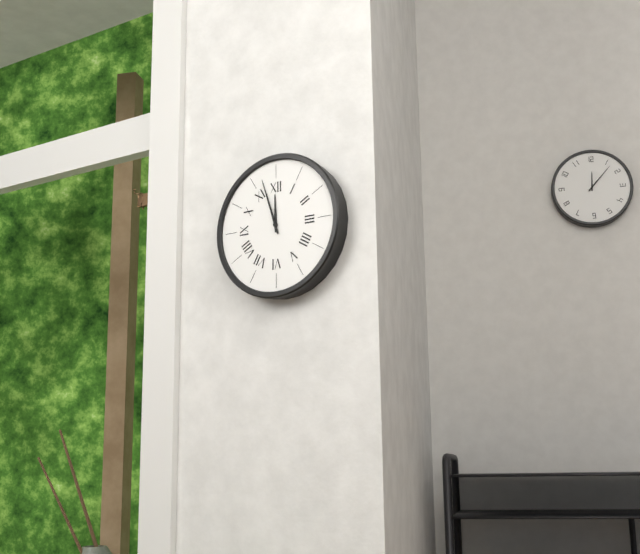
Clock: 11:57
